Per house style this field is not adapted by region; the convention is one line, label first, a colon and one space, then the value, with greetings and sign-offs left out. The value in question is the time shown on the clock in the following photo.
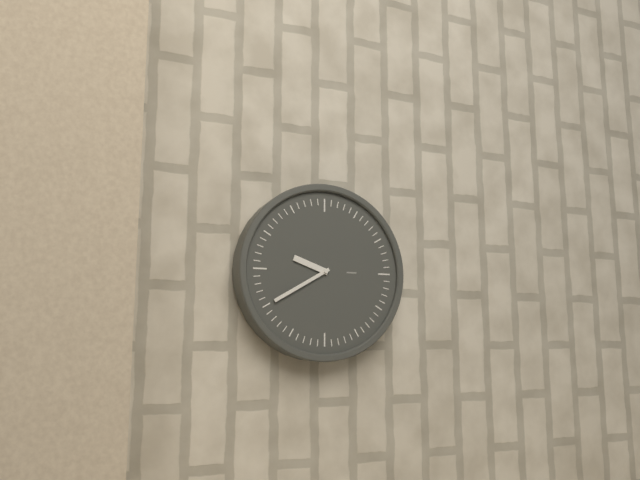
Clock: 9:40
